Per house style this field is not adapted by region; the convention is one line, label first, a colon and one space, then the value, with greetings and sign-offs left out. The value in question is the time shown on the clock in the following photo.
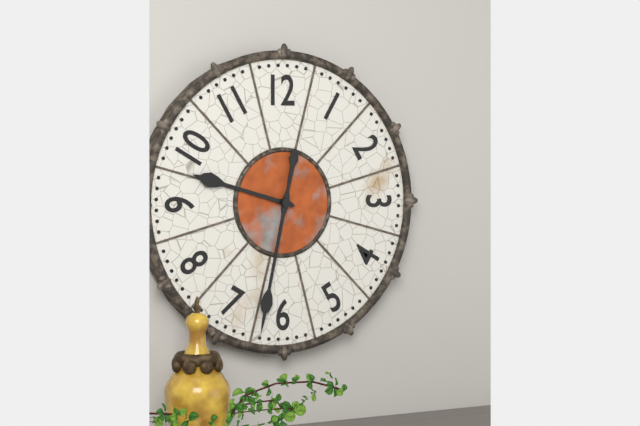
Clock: 9:32
